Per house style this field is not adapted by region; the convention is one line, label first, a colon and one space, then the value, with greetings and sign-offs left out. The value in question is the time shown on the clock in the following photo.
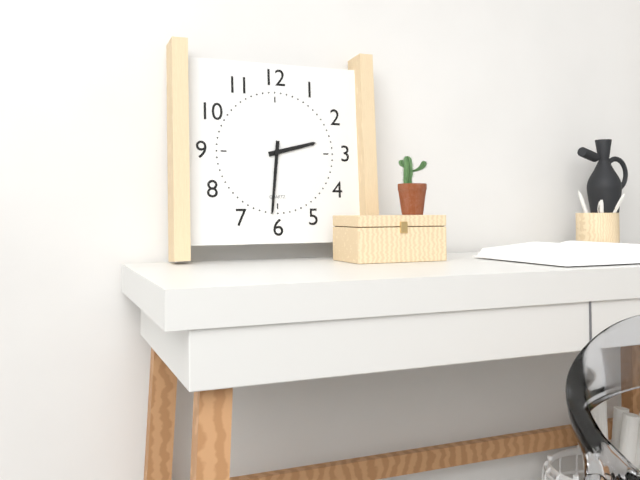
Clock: 2:31
